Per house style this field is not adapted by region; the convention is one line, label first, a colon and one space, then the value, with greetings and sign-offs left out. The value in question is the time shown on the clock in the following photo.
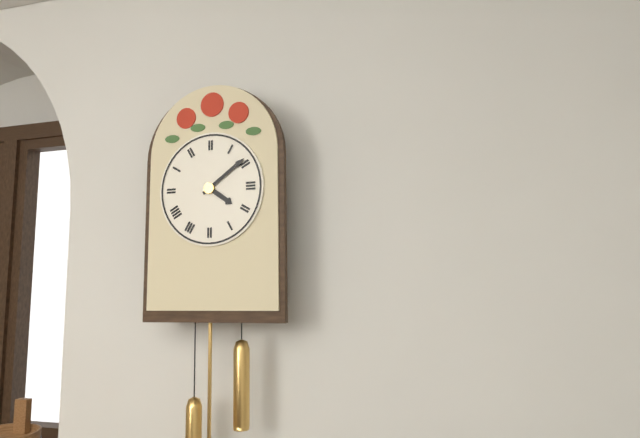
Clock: 4:09
